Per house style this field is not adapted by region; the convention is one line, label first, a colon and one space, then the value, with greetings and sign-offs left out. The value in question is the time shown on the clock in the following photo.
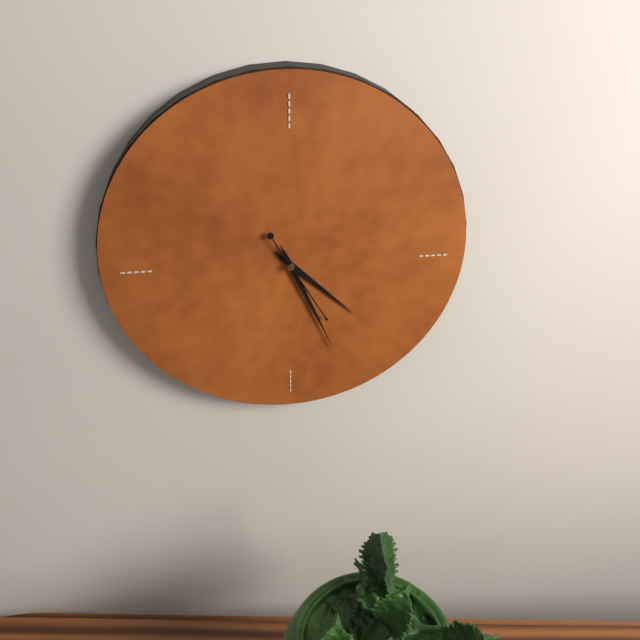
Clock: 4:26:25
